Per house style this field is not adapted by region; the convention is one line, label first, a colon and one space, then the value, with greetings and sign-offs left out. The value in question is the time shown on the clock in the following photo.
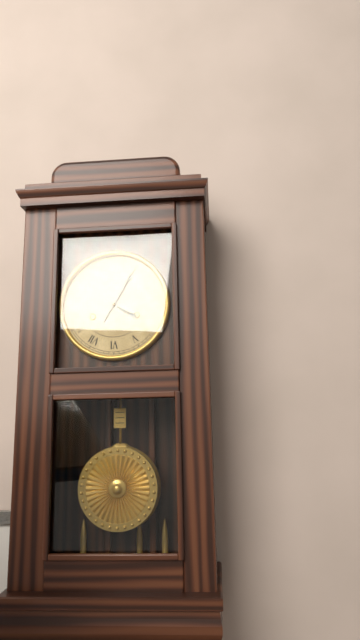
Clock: 4:05
